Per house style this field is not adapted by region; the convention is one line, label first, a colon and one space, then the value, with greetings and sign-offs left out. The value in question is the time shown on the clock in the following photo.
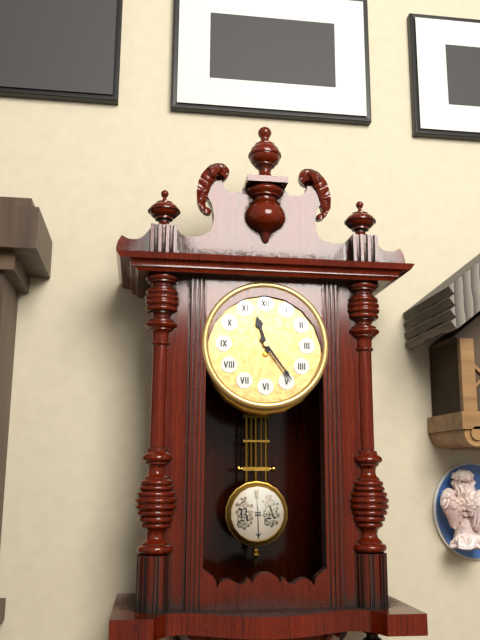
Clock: 11:24
